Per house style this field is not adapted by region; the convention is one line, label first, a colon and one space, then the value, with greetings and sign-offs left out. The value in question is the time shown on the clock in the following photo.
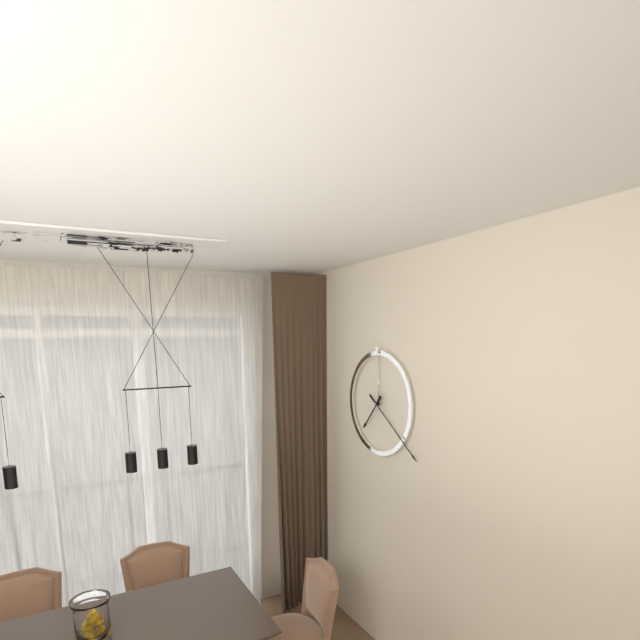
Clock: 7:21
